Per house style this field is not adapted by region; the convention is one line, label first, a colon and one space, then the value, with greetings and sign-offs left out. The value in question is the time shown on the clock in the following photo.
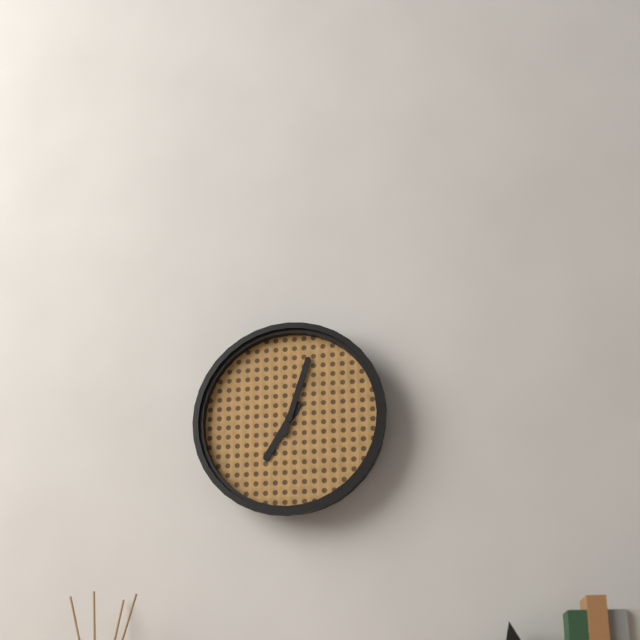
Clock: 7:03
